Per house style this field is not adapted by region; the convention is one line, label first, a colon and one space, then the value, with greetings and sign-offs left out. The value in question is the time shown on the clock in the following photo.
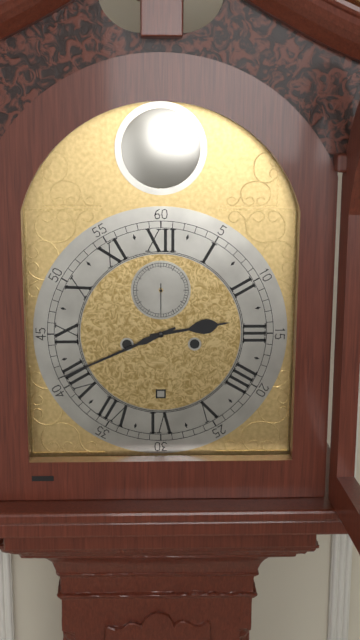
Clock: 2:41
